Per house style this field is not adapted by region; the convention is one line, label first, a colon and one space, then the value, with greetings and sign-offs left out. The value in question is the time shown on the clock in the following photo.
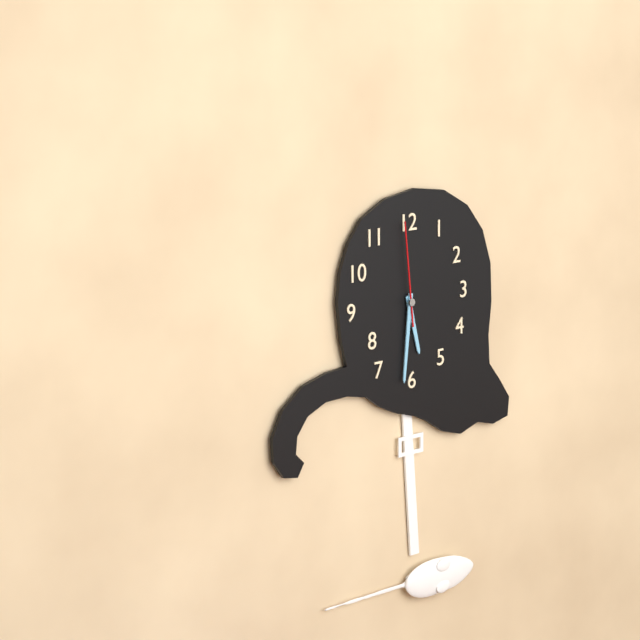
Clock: 5:31:59
